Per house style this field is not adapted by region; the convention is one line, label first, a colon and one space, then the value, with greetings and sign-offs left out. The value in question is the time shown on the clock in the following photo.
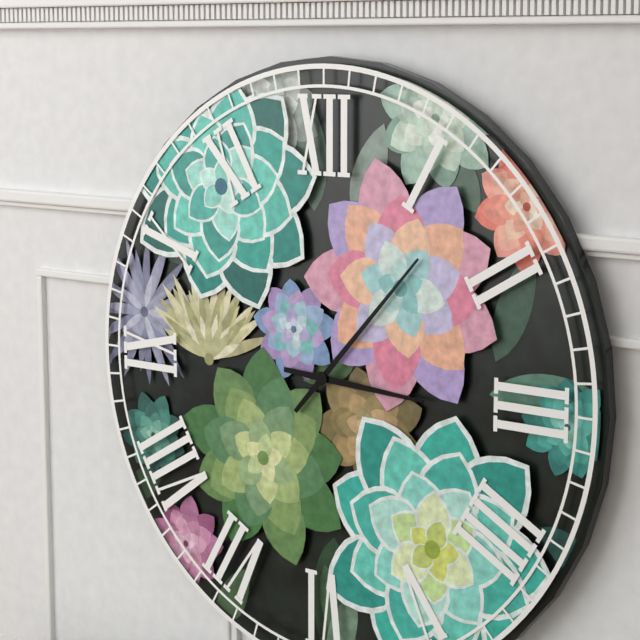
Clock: 3:07
